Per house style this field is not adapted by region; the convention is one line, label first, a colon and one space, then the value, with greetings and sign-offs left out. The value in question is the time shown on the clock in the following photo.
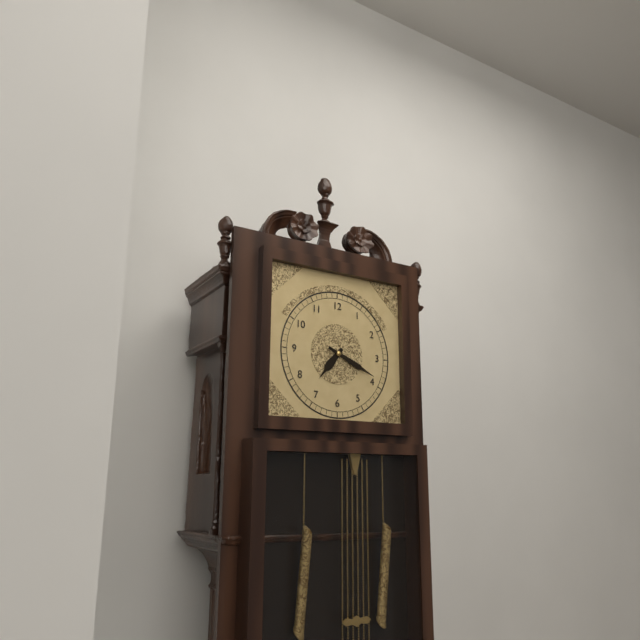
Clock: 7:19
